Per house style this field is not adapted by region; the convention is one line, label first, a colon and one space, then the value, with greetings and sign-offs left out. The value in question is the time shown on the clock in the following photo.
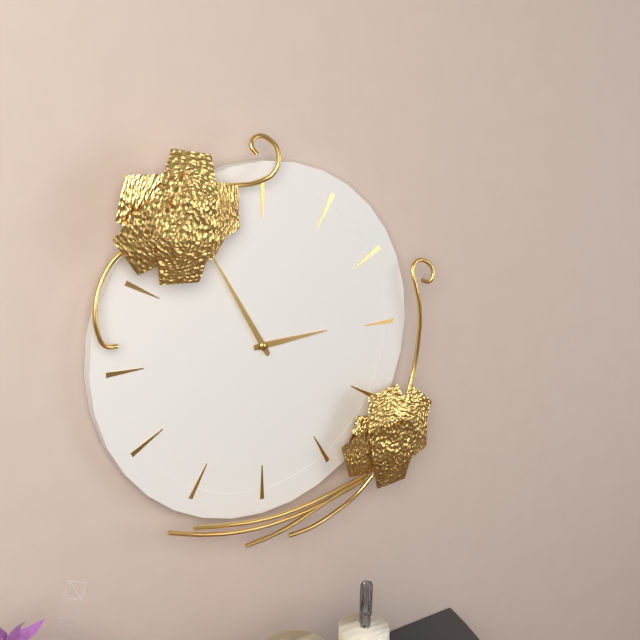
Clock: 2:55
